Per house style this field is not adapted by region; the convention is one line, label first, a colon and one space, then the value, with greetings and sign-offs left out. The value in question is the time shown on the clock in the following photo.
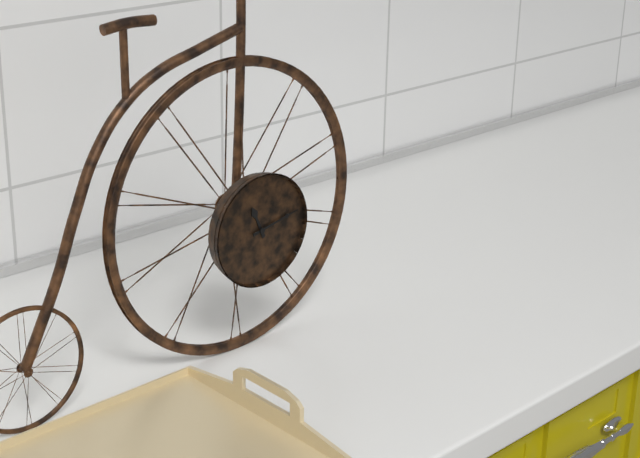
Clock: 11:13
